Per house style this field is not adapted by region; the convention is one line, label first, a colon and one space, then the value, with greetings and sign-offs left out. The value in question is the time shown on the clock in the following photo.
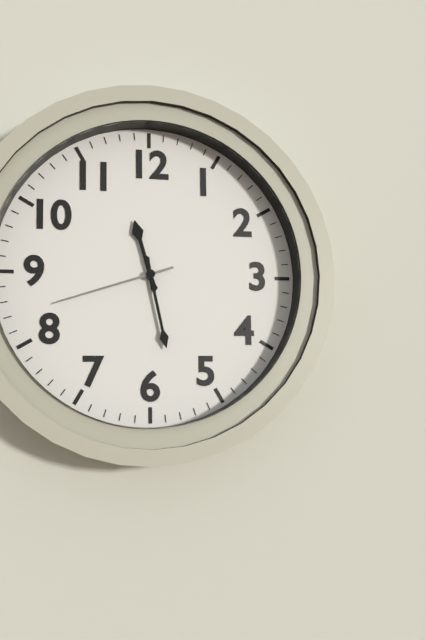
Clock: 11:28:42
